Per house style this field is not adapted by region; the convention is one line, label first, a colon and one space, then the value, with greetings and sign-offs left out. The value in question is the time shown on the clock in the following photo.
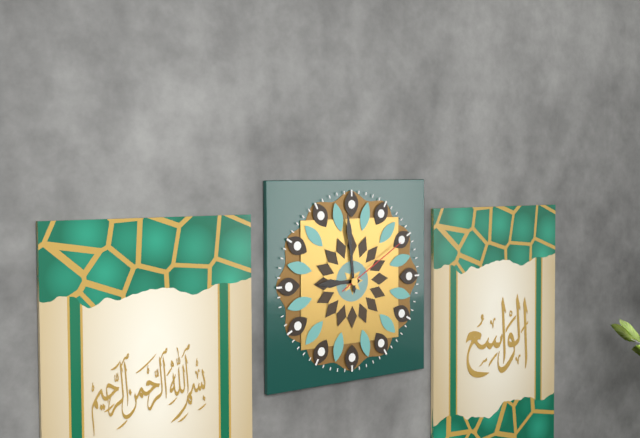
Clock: 8:59:10
